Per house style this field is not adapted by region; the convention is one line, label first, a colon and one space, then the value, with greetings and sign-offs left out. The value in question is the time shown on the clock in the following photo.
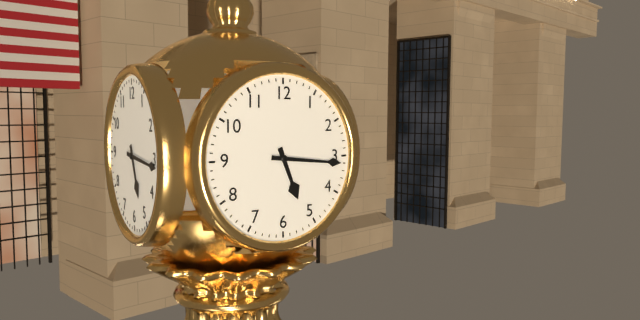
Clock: 5:16
